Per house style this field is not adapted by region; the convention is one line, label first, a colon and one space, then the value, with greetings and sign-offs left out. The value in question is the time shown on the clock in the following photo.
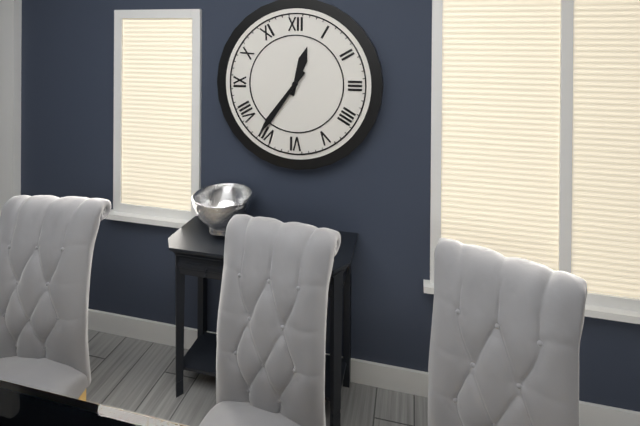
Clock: 12:36
